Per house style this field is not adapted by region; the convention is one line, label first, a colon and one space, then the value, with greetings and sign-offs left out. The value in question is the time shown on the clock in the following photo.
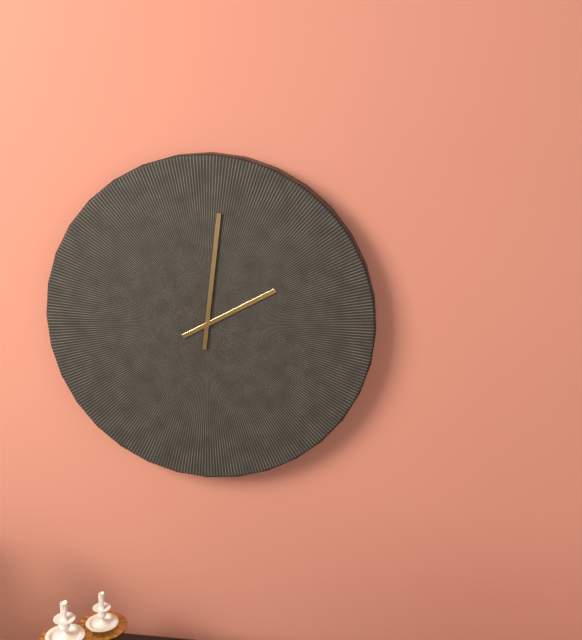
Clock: 2:01
